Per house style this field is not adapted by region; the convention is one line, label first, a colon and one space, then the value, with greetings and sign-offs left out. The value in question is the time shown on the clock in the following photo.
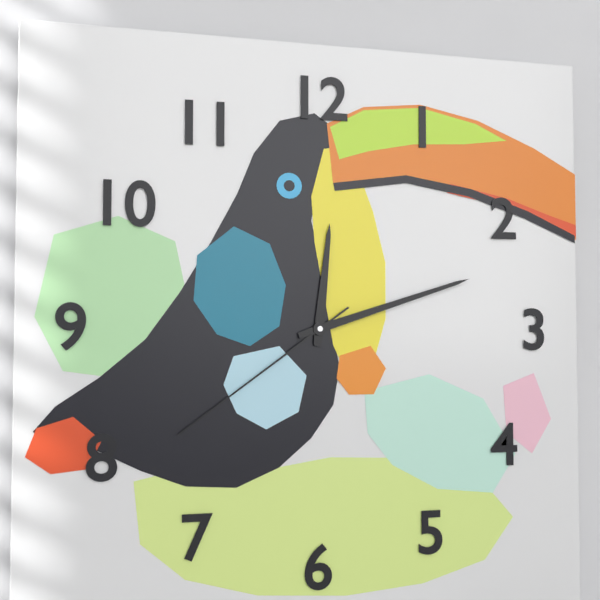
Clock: 12:12:39
